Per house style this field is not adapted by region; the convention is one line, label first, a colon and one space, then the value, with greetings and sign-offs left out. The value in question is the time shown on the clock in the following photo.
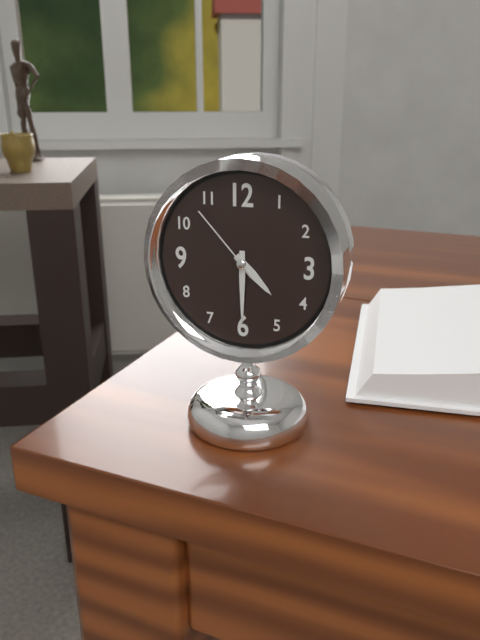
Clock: 4:30:53
